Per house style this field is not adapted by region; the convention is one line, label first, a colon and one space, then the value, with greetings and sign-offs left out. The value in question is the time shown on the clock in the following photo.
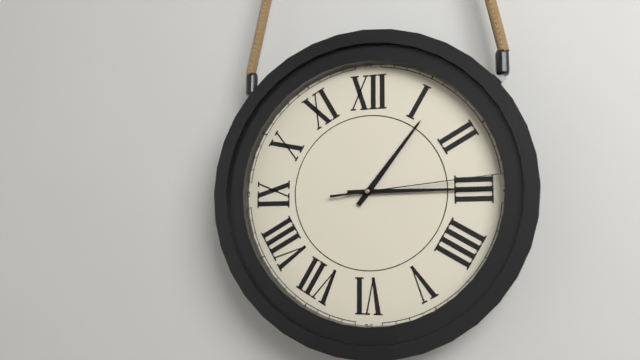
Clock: 1:15:14
